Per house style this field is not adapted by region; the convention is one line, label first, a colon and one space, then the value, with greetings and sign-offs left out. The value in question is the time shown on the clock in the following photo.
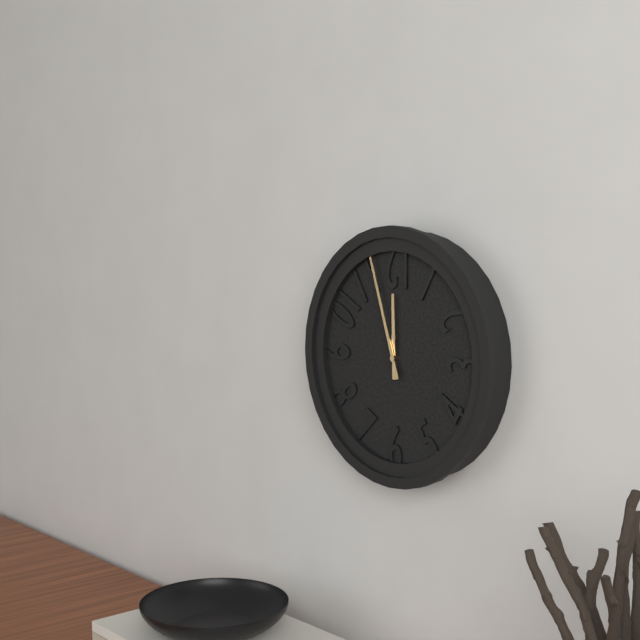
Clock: 11:57
